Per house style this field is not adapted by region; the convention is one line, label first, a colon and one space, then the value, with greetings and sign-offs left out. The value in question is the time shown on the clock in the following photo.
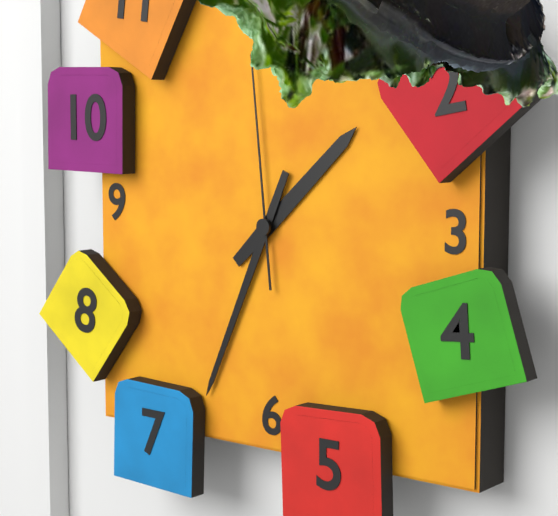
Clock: 1:34:59
